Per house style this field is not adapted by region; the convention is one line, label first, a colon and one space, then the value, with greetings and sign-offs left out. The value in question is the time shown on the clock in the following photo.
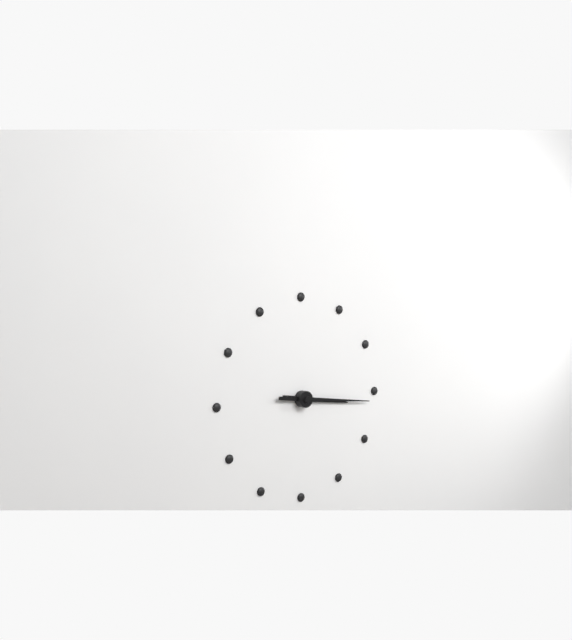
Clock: 3:16
